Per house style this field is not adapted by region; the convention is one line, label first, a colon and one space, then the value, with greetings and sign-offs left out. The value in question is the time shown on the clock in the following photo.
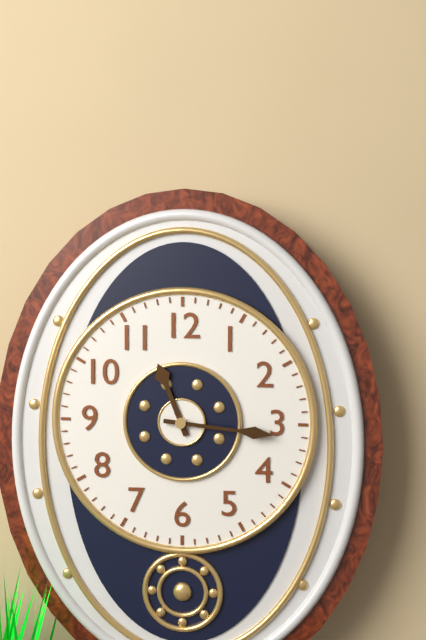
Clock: 11:16
